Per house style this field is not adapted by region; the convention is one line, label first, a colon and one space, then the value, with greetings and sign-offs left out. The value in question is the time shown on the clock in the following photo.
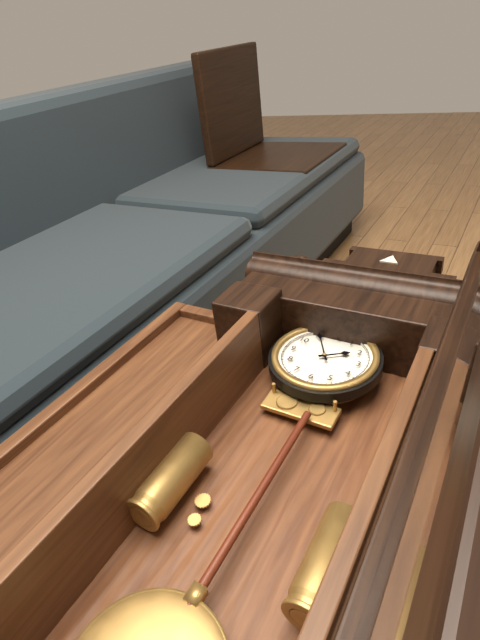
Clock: 1:55
